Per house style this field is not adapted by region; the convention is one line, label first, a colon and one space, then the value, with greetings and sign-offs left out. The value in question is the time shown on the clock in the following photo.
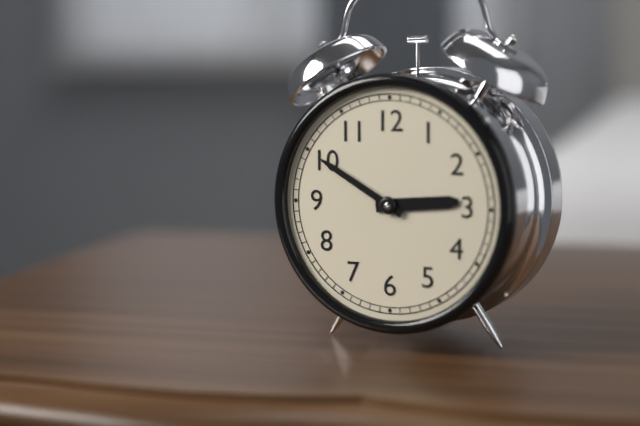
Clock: 2:50
